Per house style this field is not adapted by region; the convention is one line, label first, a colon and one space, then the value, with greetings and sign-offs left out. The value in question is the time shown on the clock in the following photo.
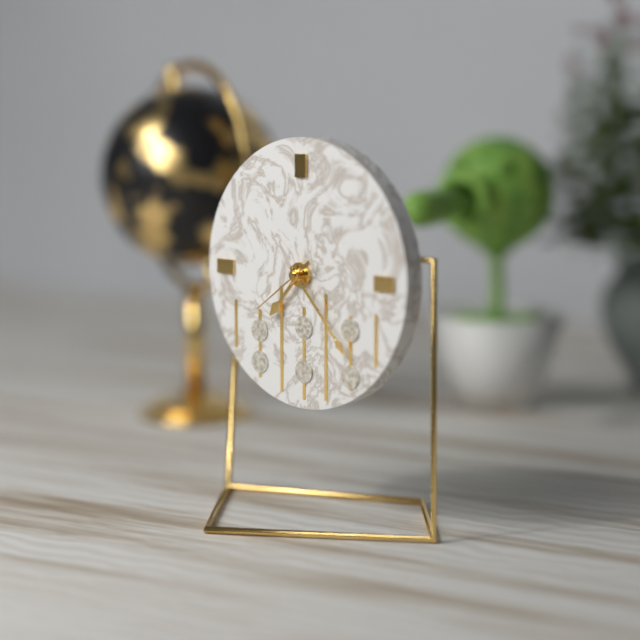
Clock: 7:23:39
